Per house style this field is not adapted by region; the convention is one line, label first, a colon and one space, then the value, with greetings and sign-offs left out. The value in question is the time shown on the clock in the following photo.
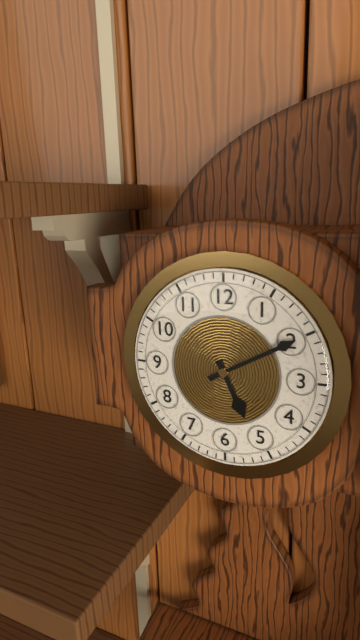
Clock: 5:10
